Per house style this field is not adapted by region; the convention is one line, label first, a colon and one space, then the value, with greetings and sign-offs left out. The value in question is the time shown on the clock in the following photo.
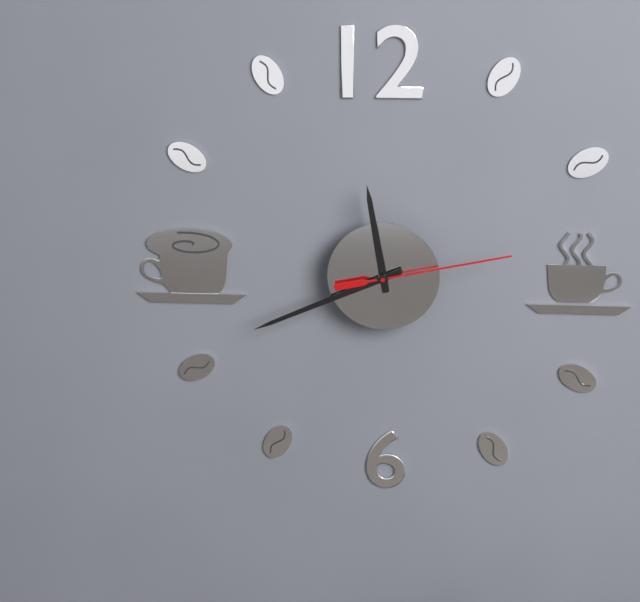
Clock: 11:41:13
